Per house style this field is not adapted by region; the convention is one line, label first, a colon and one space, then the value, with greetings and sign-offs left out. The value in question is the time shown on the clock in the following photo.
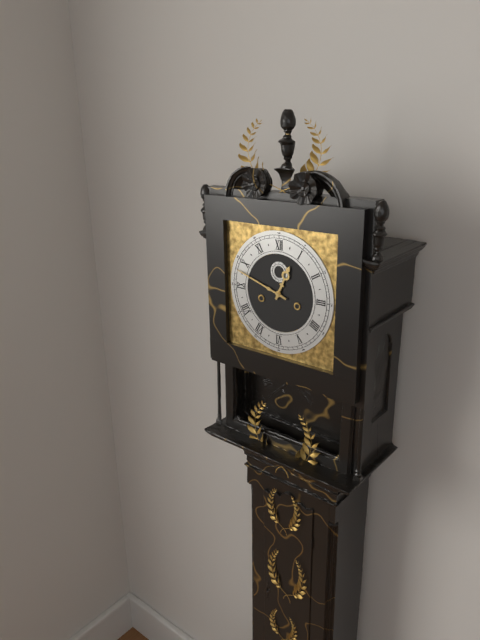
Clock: 12:48
